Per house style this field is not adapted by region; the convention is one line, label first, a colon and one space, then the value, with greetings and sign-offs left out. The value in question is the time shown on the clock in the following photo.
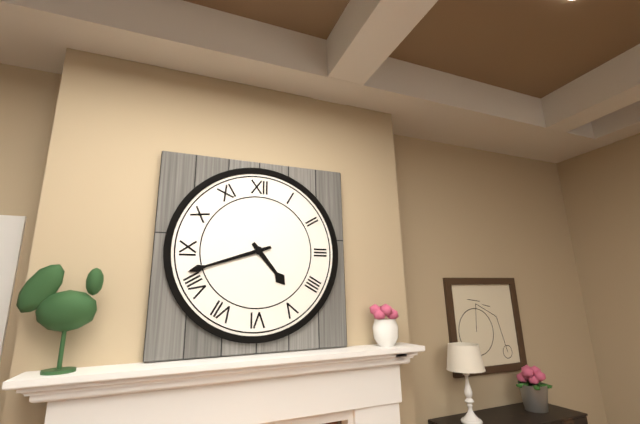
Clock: 4:42
